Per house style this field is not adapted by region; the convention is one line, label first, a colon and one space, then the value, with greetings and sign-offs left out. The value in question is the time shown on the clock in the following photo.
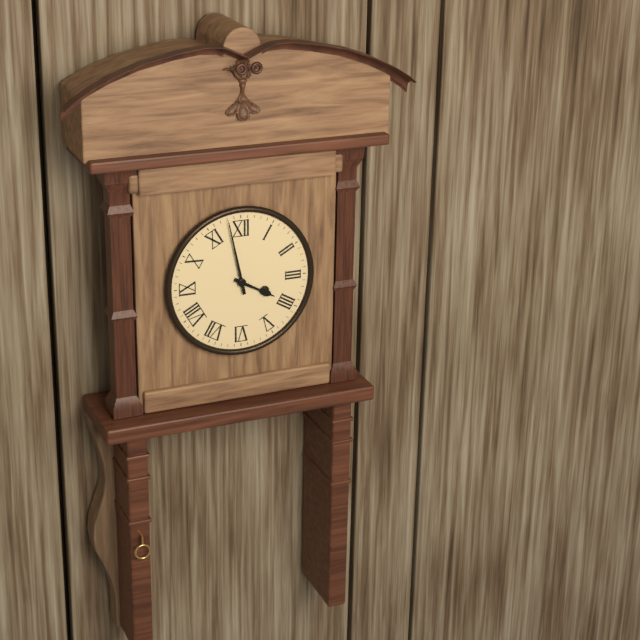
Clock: 3:58
